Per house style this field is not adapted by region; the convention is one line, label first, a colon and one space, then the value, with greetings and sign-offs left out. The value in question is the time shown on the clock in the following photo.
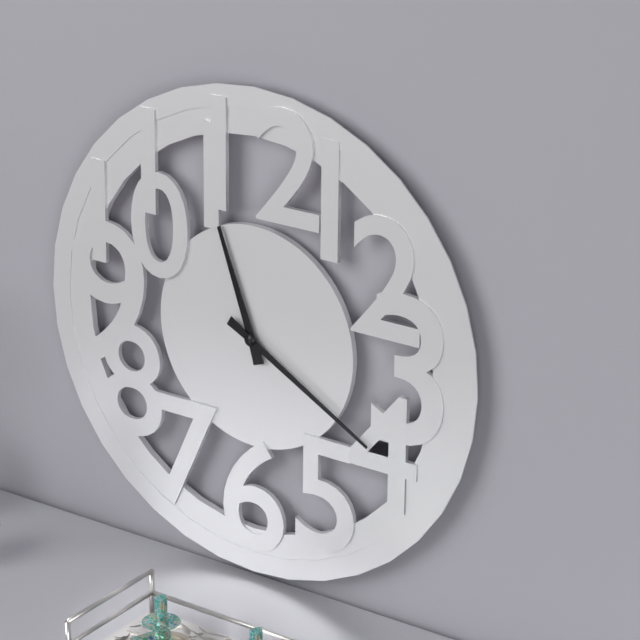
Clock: 11:20
